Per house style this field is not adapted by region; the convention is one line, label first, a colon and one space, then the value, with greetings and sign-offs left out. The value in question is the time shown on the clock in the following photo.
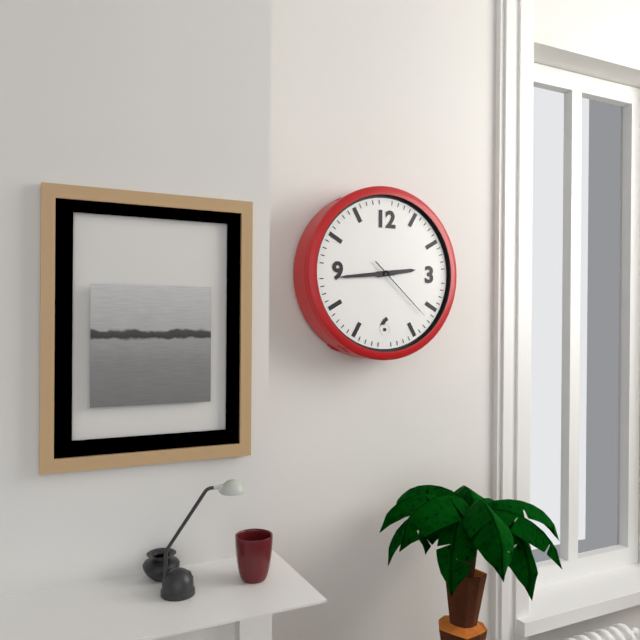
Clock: 2:44:22
